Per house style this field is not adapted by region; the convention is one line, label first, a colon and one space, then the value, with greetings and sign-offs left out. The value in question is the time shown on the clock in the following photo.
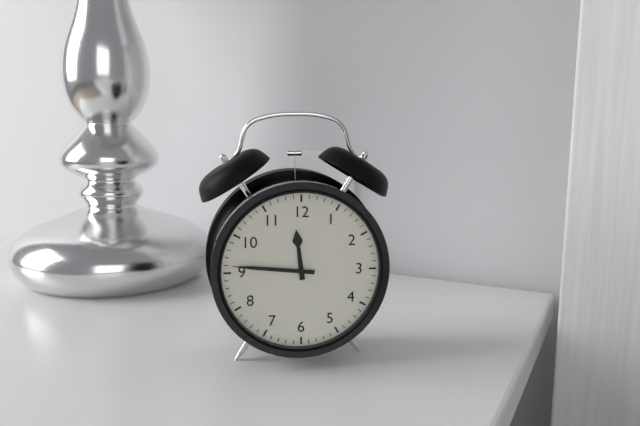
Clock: 11:46
